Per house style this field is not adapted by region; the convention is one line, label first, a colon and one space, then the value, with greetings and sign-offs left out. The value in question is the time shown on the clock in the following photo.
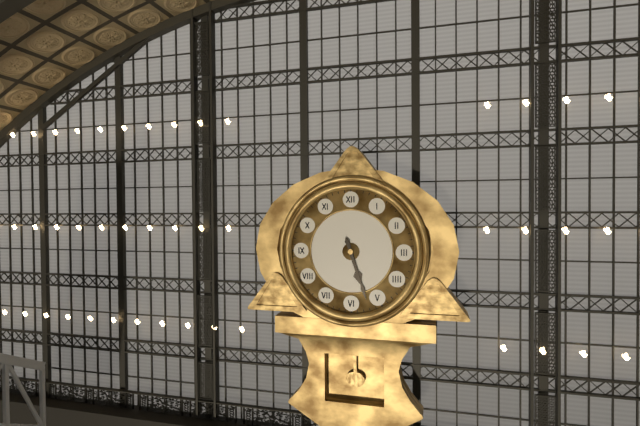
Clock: 5:27
